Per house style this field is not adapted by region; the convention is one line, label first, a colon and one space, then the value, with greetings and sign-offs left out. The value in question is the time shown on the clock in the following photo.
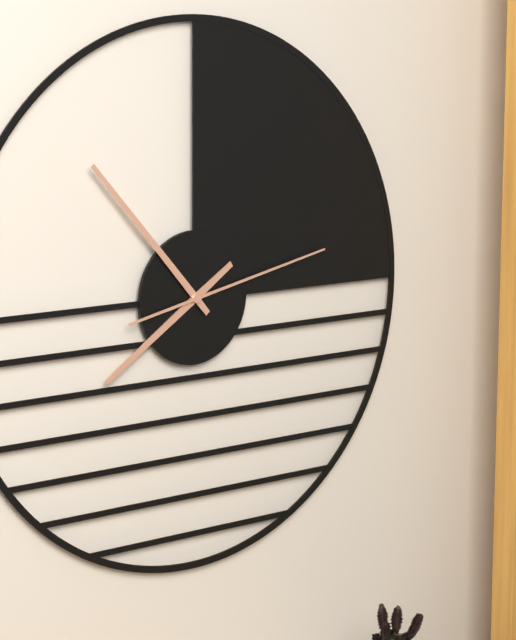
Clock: 7:53:13
